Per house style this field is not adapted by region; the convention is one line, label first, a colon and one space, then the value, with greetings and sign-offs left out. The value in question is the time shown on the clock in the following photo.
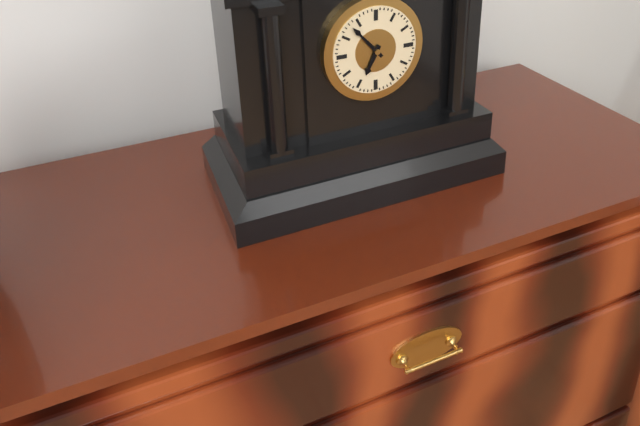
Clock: 6:53
